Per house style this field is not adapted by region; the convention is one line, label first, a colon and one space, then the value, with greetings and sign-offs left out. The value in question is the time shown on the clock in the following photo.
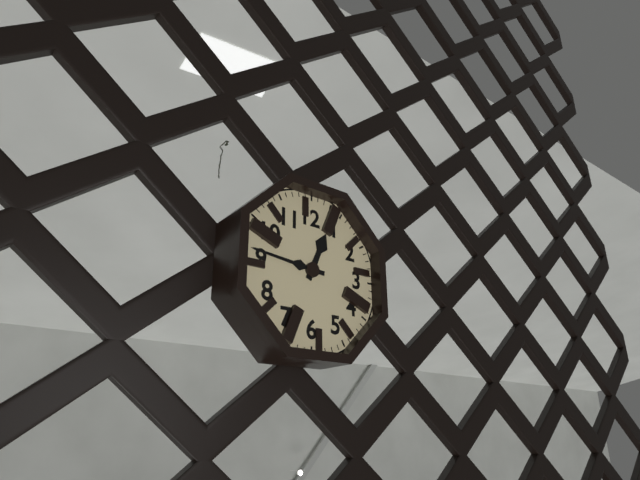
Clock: 12:46
